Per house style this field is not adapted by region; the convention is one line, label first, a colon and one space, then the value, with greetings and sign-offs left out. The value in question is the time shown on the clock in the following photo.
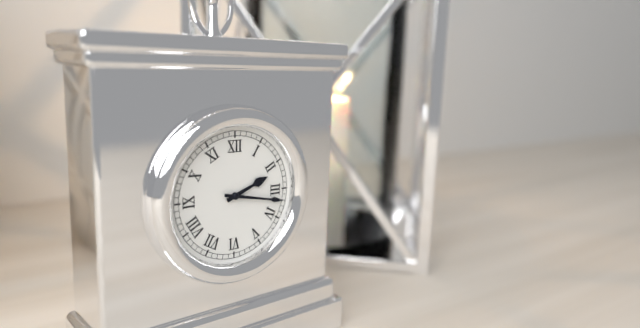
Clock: 2:17
